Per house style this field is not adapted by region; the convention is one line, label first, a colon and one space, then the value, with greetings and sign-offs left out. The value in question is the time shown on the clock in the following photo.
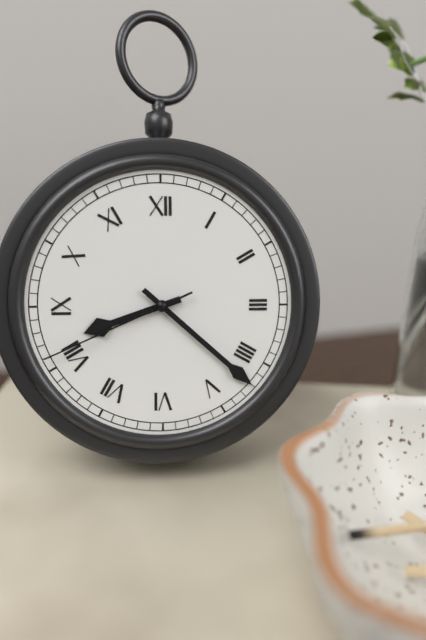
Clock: 8:22:41
